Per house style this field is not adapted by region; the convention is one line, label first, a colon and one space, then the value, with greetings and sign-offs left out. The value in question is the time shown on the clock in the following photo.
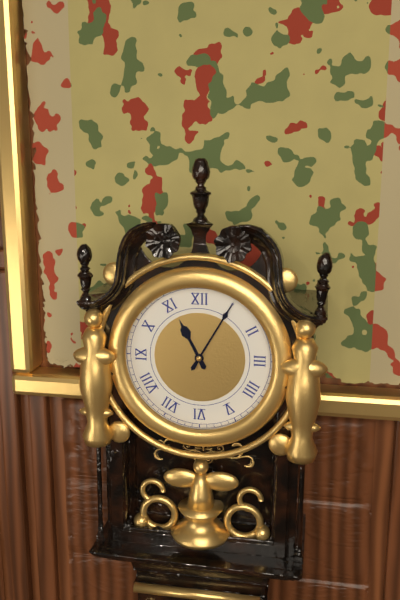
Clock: 11:05
